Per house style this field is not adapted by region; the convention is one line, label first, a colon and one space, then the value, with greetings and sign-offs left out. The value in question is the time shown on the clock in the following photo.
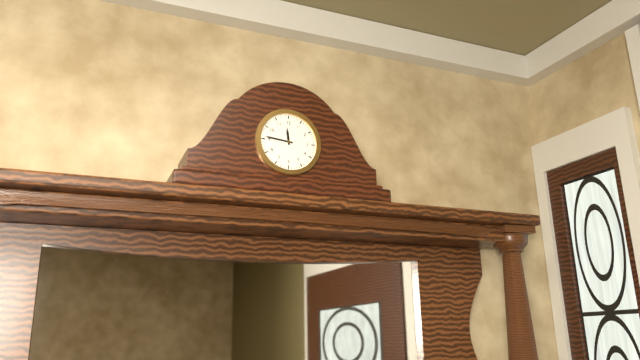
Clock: 11:46
